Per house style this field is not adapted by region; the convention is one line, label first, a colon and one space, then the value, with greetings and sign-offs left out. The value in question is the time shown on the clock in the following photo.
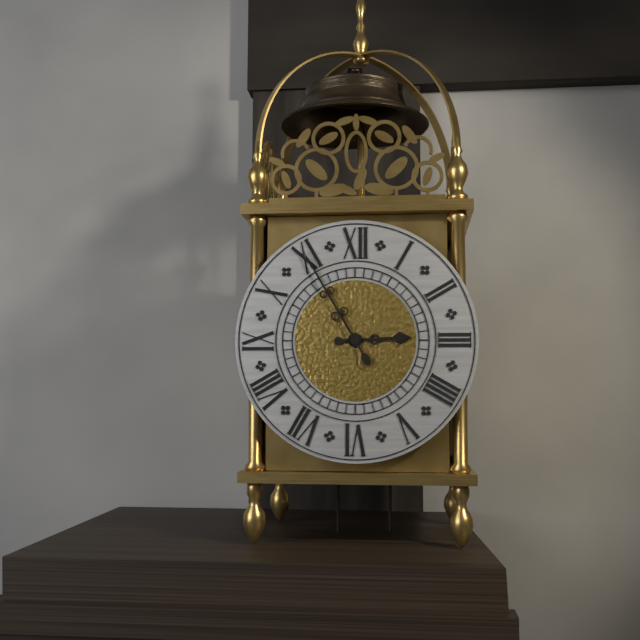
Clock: 2:55
